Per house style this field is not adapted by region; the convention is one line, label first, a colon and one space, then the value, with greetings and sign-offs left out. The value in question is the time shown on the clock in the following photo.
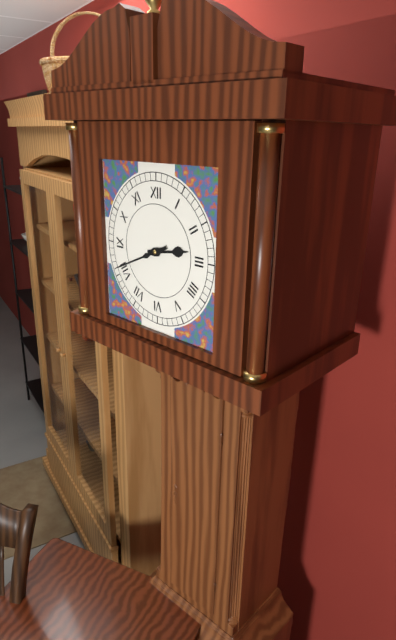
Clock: 2:41
